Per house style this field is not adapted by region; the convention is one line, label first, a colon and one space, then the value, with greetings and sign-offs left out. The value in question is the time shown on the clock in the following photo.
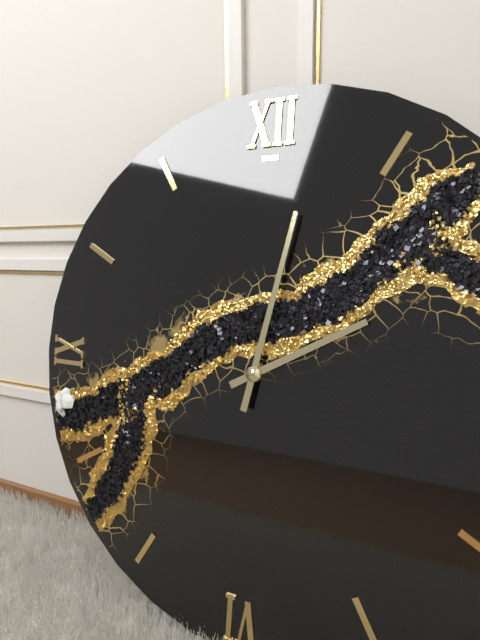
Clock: 2:02
